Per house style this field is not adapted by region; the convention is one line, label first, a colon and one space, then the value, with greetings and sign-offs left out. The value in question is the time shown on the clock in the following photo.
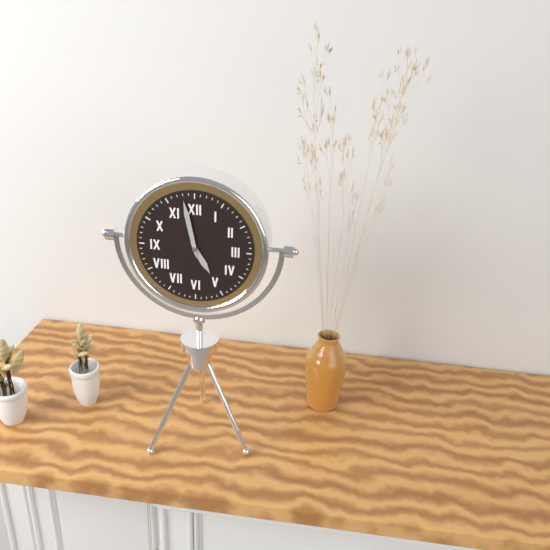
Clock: 4:58
